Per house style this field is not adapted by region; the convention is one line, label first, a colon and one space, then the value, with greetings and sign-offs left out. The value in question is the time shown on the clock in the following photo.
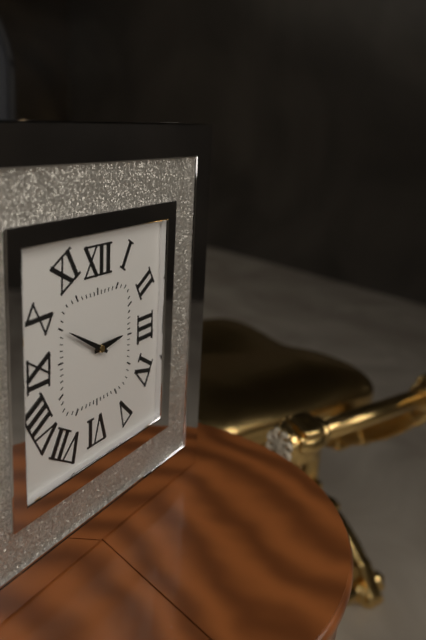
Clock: 2:50
